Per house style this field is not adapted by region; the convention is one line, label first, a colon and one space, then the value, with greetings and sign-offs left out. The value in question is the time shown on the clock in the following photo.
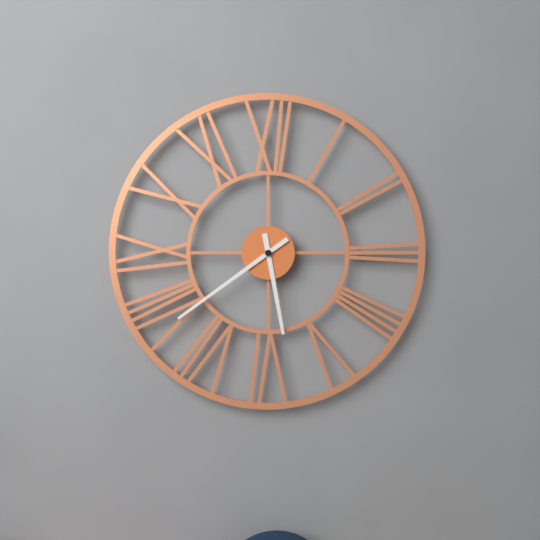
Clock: 5:39
